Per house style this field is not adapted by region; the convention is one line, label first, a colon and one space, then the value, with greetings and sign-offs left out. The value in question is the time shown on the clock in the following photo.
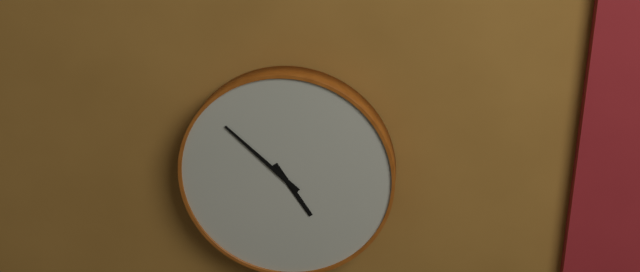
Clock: 4:52
